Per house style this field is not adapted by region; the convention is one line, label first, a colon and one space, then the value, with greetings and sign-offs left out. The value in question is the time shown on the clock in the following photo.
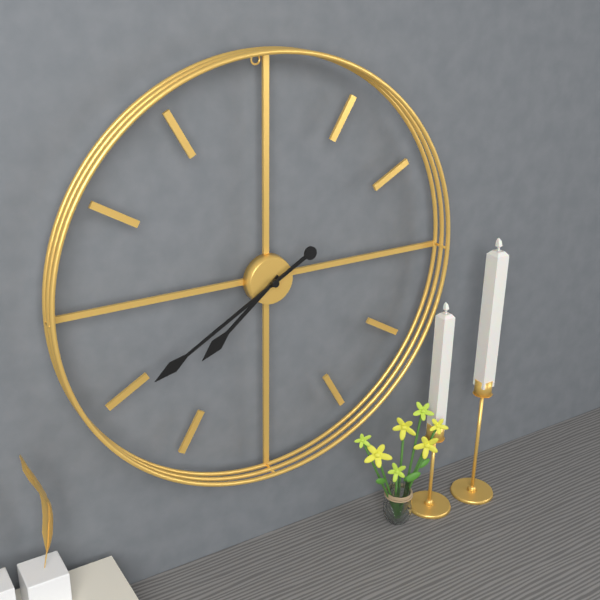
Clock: 7:40
